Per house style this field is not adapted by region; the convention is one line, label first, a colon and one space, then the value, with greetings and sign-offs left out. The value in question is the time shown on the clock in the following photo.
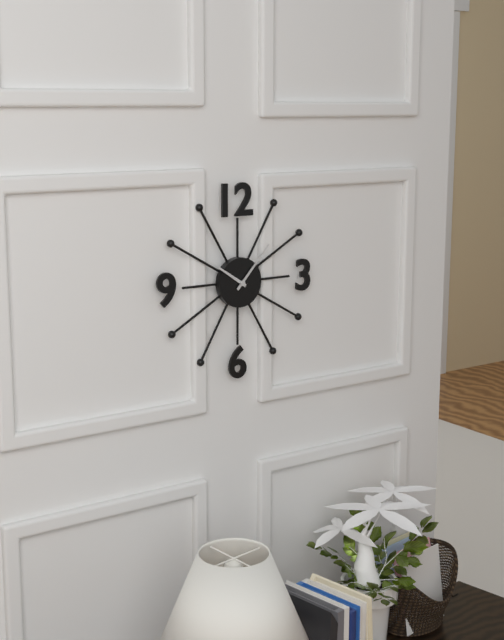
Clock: 10:07
